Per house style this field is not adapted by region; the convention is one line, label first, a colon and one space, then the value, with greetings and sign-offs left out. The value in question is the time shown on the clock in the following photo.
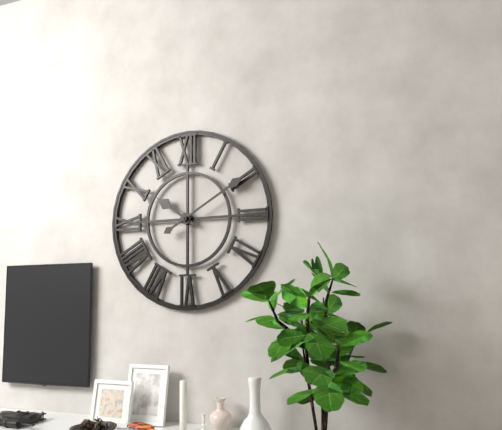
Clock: 10:10
